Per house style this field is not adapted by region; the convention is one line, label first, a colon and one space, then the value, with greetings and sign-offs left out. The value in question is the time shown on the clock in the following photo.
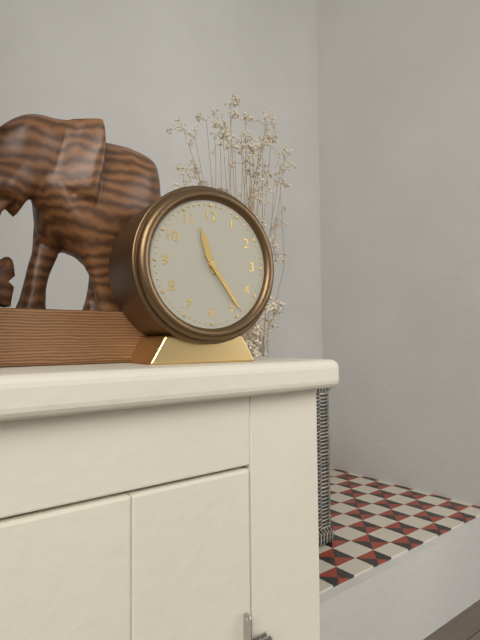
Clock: 11:24
